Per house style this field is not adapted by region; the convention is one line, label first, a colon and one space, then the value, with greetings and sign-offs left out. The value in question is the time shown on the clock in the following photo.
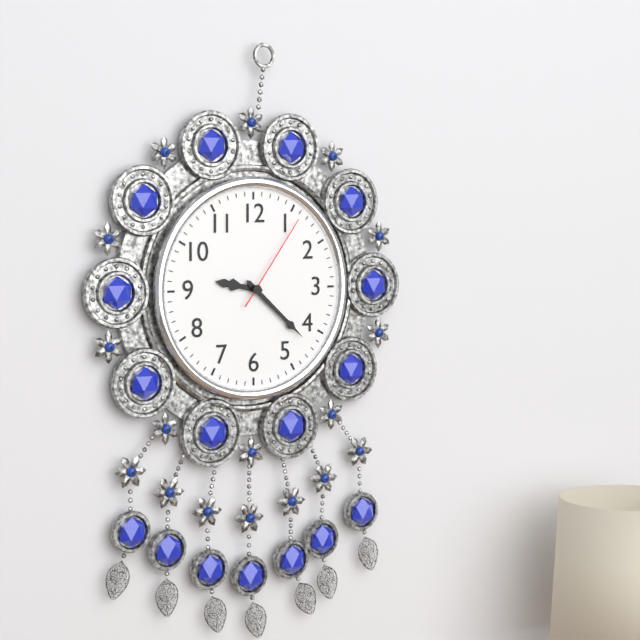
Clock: 9:22:06
